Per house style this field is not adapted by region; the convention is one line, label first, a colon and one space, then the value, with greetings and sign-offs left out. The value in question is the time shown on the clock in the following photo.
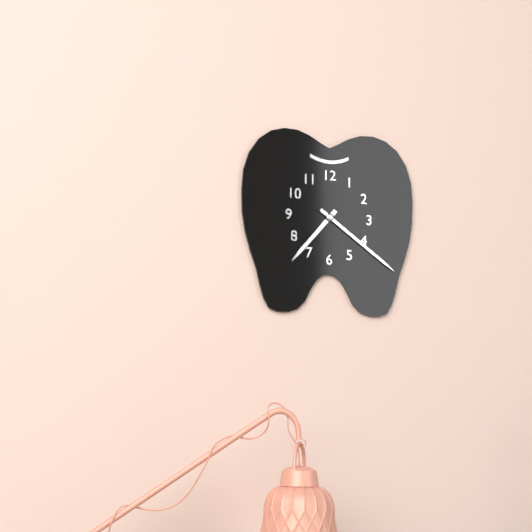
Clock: 7:21
